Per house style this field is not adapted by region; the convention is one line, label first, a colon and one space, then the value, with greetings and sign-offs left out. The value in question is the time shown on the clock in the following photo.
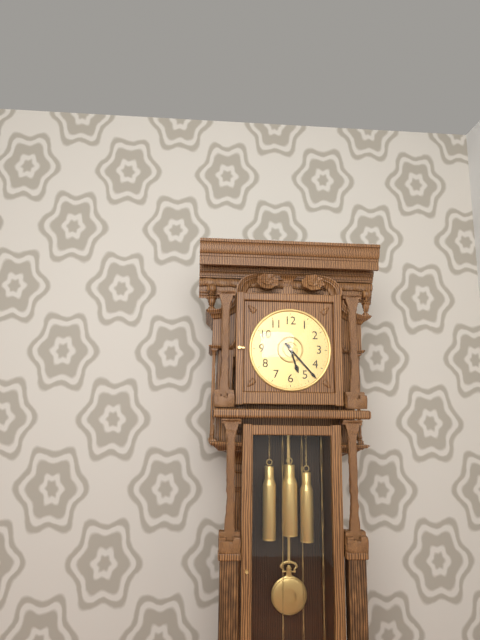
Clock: 5:23
